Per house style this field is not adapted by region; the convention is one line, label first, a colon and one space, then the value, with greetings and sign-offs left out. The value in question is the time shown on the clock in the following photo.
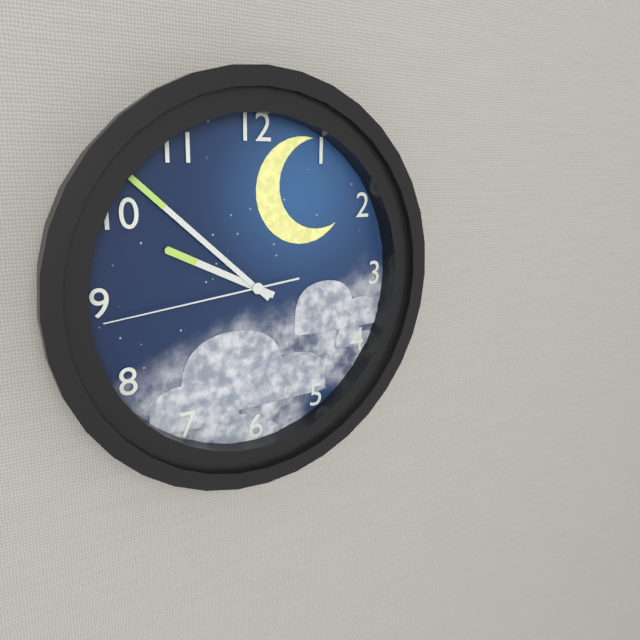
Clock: 9:52:44
